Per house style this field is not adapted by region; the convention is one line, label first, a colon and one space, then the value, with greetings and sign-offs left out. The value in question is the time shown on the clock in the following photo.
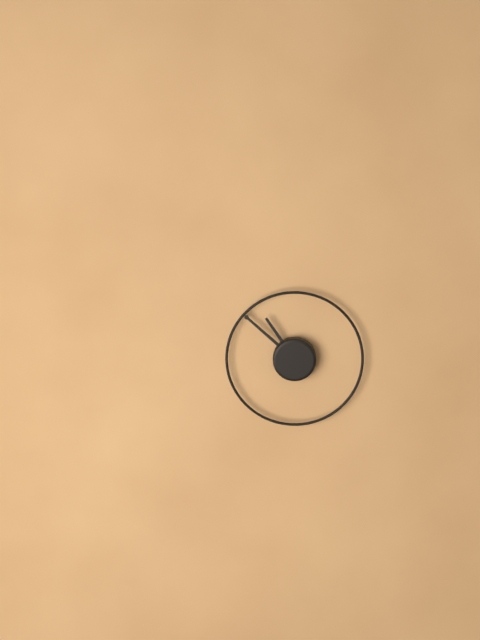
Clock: 10:52
